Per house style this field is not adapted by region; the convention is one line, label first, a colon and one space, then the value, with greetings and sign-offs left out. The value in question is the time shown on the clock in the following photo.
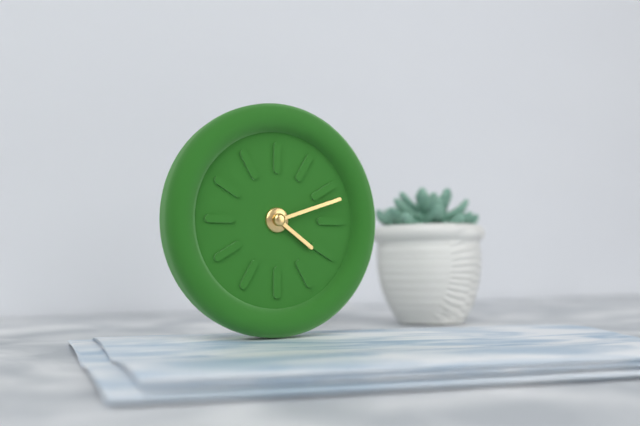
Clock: 4:12
